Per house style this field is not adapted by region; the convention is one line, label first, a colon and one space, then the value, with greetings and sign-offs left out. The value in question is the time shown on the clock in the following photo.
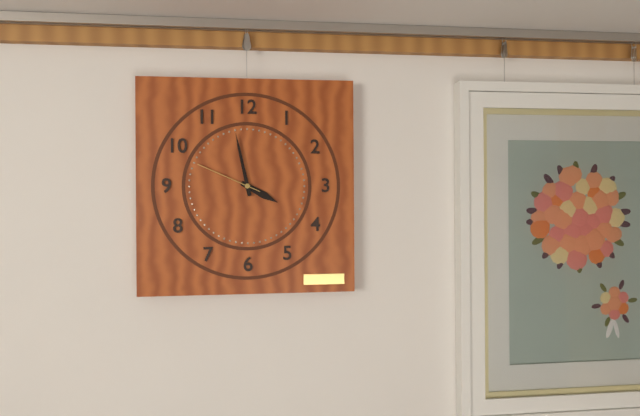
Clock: 3:58:49
